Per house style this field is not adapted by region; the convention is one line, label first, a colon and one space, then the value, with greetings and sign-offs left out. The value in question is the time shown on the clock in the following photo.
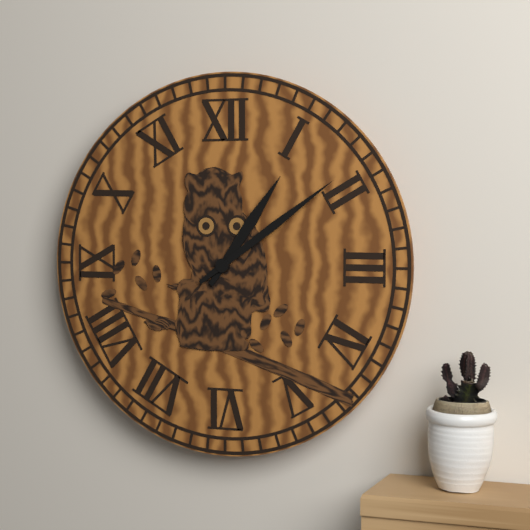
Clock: 1:09
